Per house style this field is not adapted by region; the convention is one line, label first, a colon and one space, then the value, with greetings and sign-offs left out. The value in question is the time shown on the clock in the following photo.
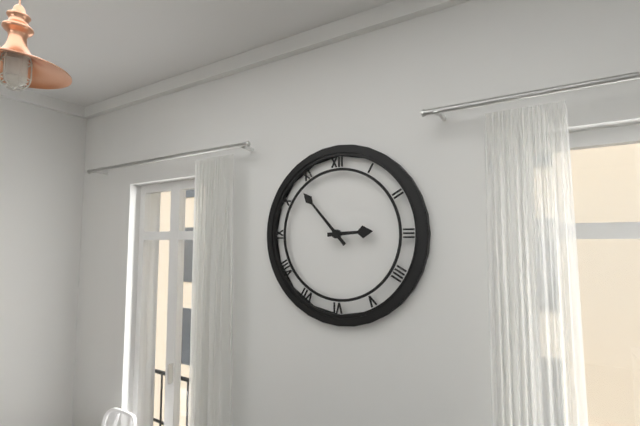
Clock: 2:53
